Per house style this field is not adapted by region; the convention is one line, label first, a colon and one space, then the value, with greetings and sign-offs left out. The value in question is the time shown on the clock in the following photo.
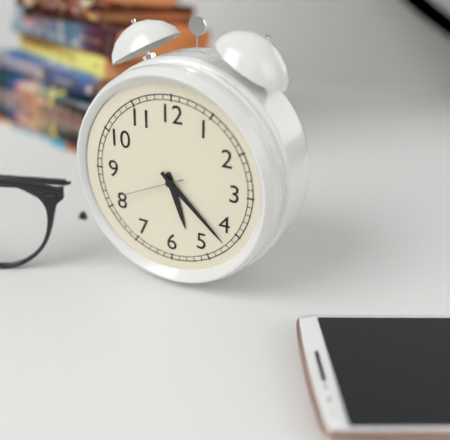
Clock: 5:22:41
